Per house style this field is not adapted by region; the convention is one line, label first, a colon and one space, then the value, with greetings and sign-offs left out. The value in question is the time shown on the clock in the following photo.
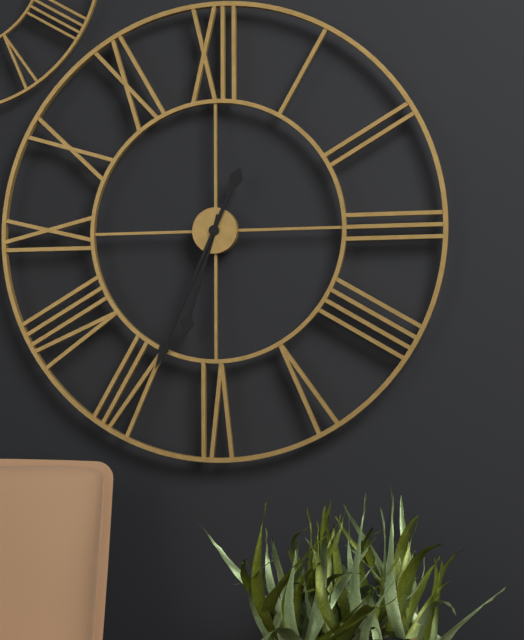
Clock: 6:34
